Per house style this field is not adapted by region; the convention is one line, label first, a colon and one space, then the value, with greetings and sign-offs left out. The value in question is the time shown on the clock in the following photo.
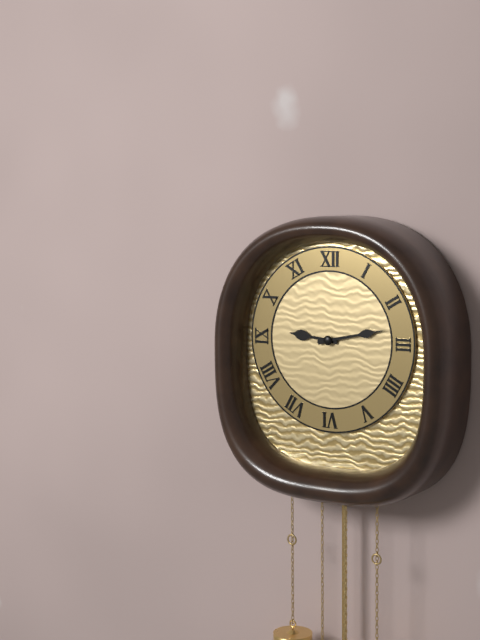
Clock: 9:13
